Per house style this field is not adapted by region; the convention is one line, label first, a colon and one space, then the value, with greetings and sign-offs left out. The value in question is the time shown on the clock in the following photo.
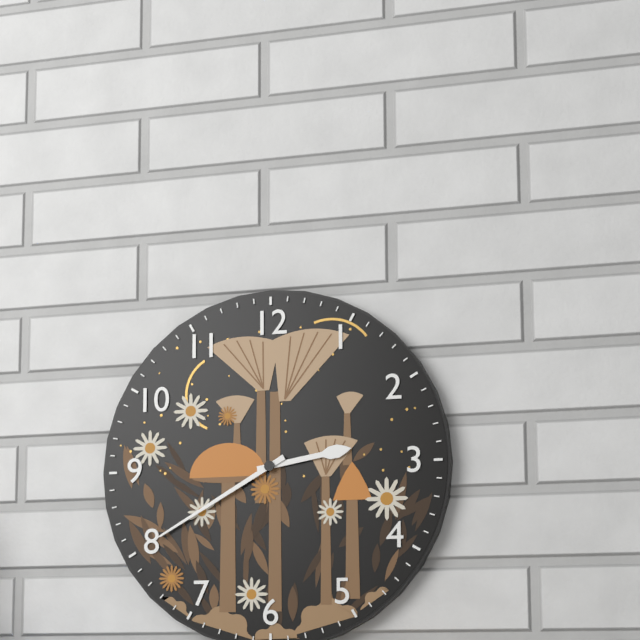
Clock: 2:40
